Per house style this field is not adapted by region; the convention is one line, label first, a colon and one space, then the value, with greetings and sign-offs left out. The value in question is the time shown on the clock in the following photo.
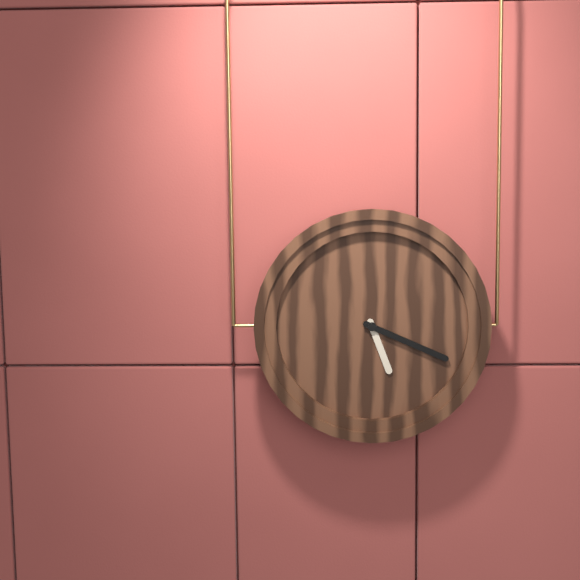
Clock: 5:19
